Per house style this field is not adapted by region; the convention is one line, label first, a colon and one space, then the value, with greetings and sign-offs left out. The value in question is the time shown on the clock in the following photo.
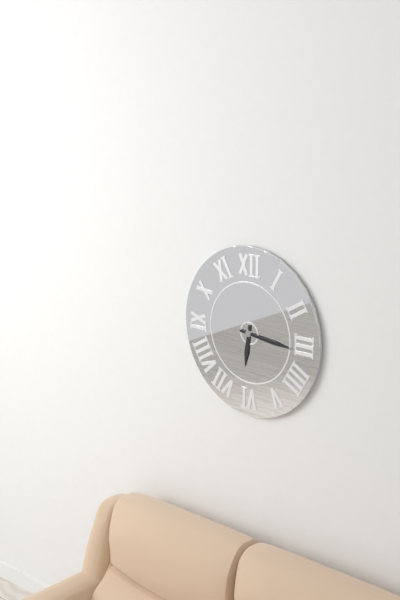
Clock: 6:16
